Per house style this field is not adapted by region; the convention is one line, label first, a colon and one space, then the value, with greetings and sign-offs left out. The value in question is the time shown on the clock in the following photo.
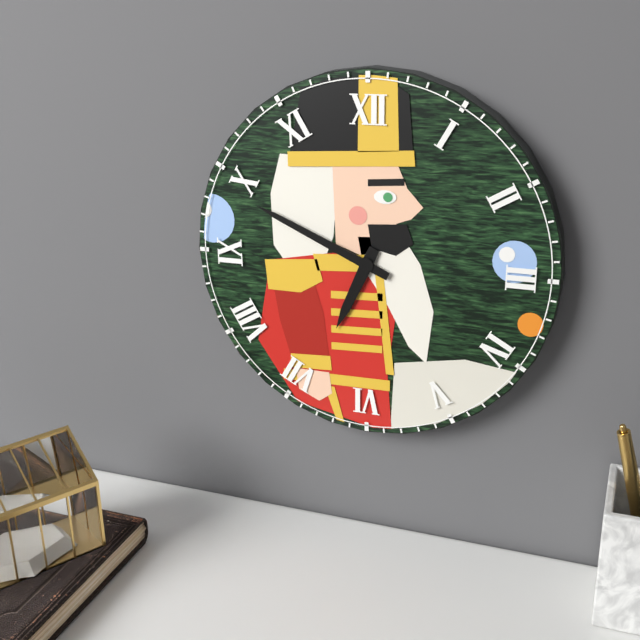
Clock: 6:49
